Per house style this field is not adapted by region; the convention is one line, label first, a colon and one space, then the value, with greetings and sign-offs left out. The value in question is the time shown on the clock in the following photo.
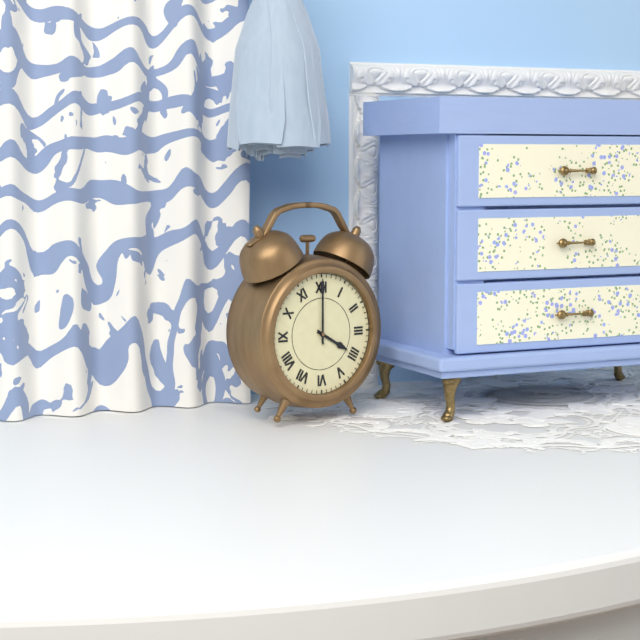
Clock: 4:00
